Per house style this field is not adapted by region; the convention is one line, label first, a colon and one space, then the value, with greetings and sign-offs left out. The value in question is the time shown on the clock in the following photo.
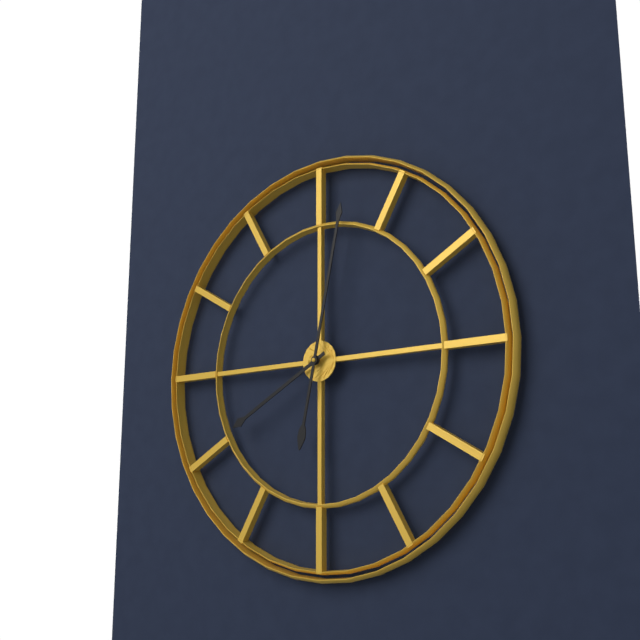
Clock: 8:02
